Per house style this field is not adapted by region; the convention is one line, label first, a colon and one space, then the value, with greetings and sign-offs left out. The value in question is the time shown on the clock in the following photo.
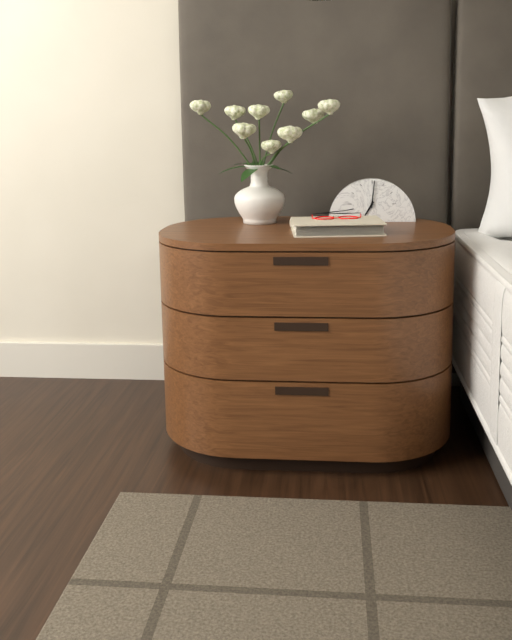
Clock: 7:01
